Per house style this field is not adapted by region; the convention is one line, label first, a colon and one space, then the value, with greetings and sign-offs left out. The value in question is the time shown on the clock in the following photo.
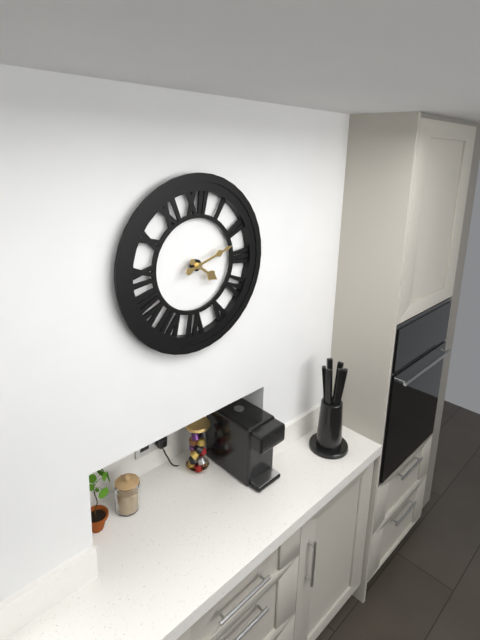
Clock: 4:12
